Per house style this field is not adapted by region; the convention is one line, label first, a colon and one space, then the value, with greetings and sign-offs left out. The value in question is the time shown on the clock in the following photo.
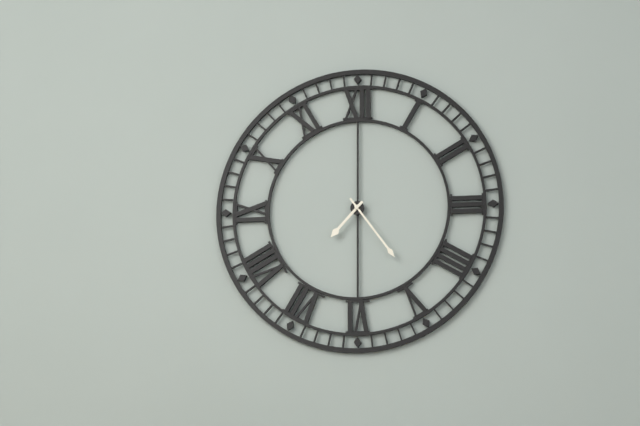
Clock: 7:24
